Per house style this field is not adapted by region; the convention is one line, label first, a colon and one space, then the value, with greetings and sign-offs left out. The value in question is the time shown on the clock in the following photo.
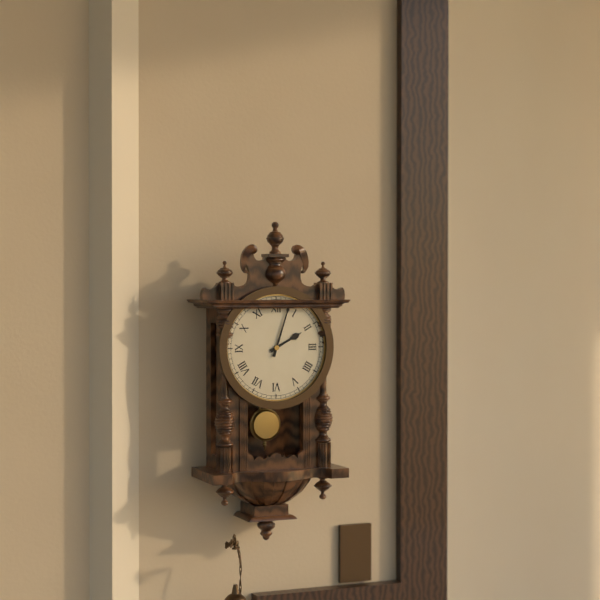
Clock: 2:03
